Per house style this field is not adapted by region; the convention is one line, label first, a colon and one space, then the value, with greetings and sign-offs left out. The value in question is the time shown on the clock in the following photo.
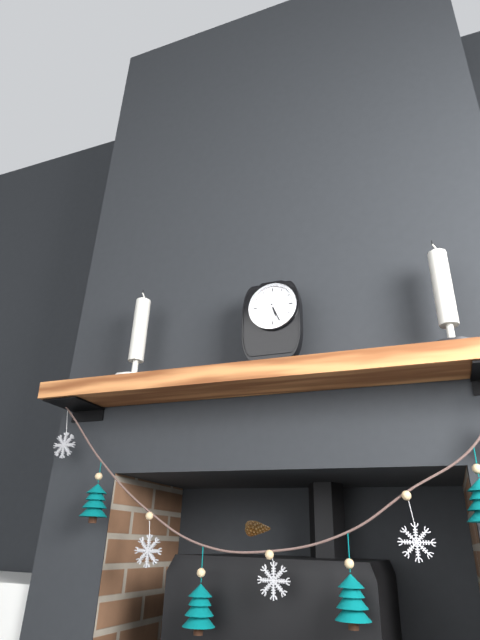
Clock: 5:26
